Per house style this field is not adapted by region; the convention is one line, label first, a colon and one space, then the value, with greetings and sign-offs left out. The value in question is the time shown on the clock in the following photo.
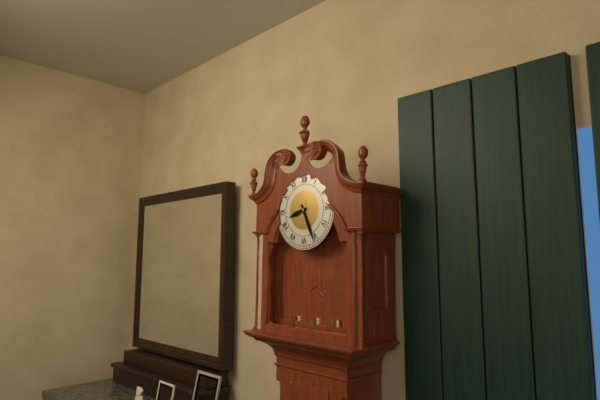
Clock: 8:26
